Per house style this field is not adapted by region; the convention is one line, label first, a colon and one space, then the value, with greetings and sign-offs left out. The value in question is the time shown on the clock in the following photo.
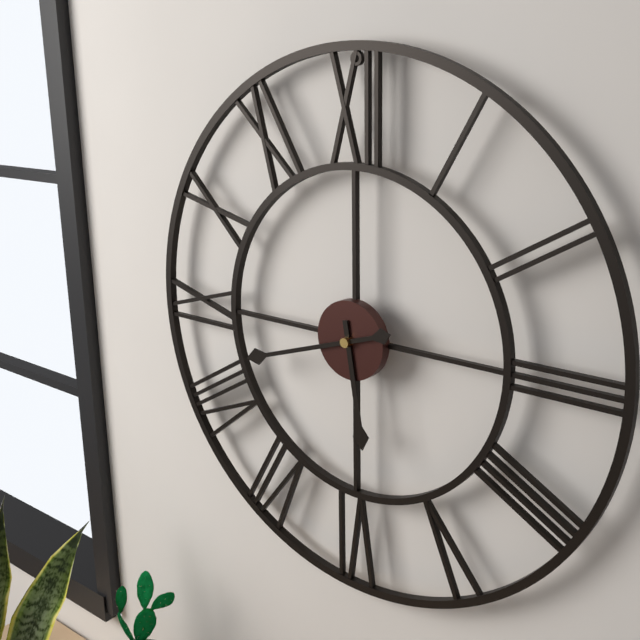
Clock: 5:42
